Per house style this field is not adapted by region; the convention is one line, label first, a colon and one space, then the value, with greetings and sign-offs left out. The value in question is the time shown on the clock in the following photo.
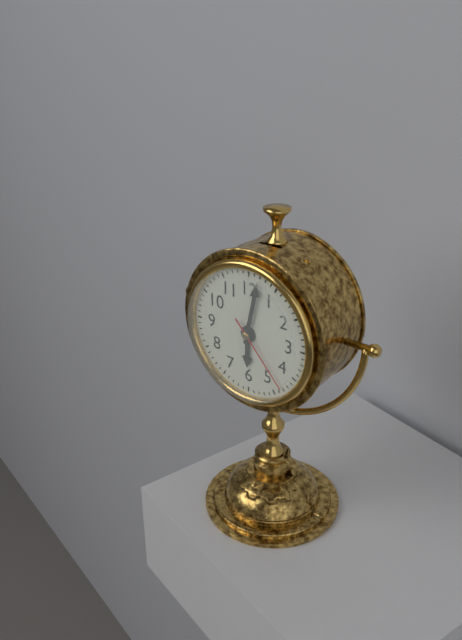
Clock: 6:02:23
